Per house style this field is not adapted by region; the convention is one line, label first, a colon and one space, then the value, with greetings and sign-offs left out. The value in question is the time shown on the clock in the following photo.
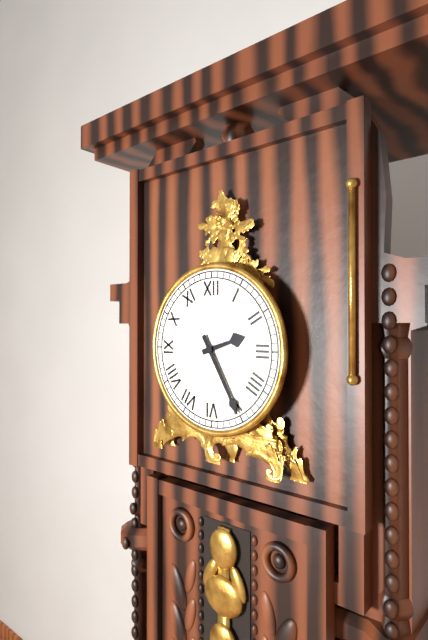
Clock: 2:25
